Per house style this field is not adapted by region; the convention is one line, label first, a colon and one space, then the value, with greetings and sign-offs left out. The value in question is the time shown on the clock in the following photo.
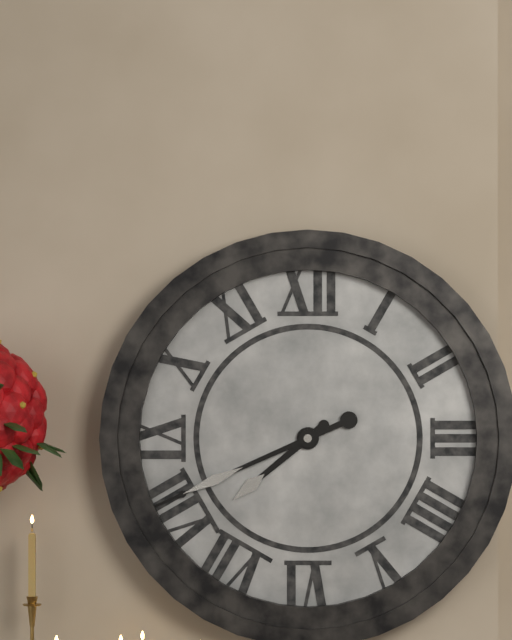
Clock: 7:41
